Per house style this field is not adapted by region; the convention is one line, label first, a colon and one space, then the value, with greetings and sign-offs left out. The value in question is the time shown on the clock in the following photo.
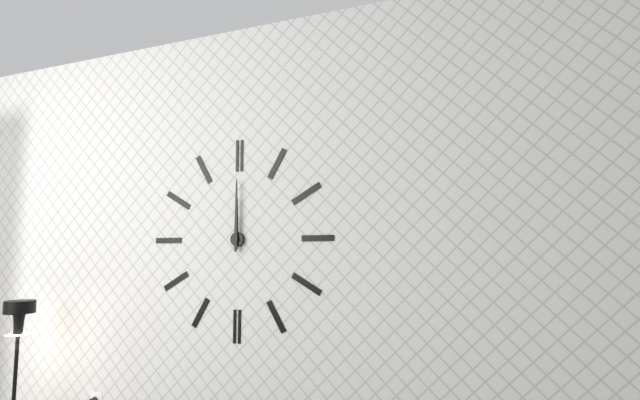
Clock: 12:00
